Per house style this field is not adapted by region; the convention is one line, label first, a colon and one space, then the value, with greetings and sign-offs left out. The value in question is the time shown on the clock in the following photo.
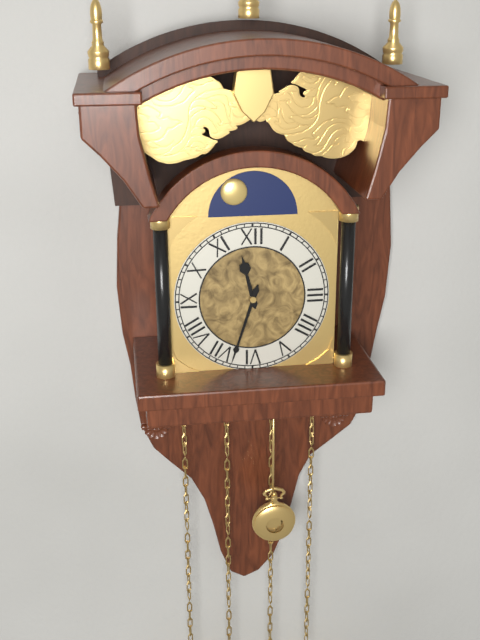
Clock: 11:33
